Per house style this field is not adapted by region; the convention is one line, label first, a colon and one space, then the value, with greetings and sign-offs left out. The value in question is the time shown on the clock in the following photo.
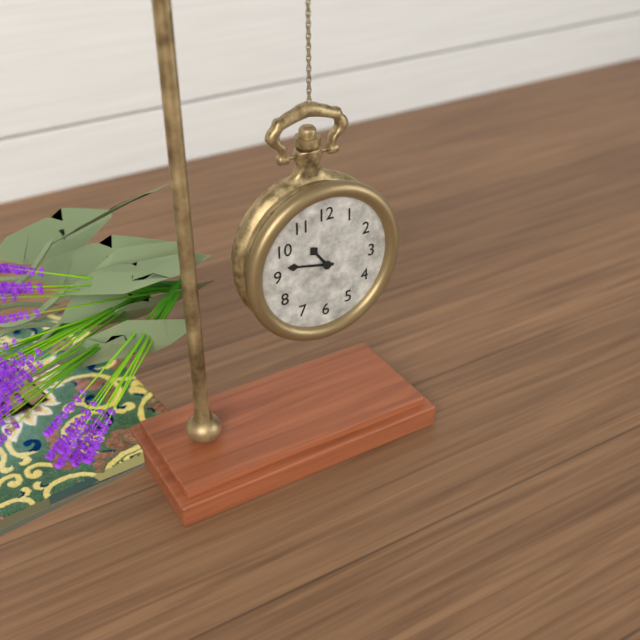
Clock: 10:47
